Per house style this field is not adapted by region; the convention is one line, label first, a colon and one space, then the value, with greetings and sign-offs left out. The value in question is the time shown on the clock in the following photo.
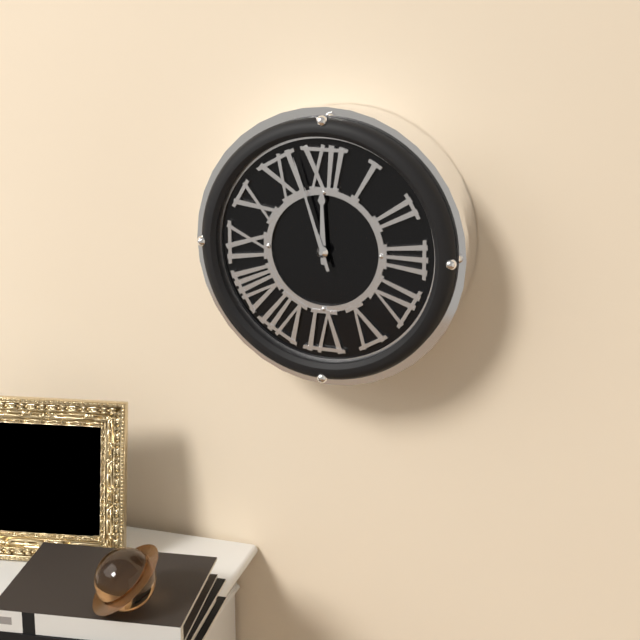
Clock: 11:57
